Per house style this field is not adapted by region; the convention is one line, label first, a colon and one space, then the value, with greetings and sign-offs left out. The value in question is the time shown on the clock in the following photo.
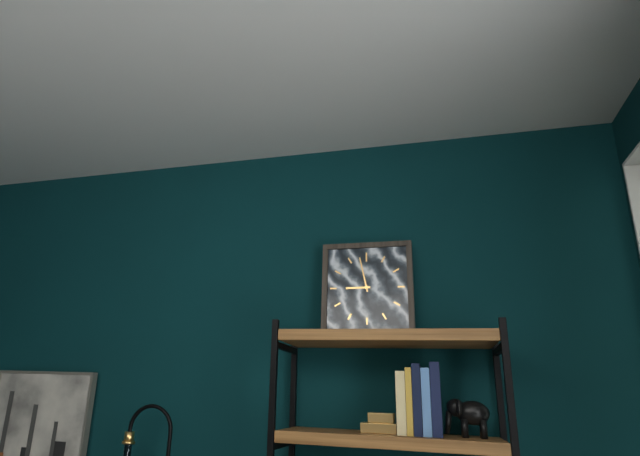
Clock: 8:58
